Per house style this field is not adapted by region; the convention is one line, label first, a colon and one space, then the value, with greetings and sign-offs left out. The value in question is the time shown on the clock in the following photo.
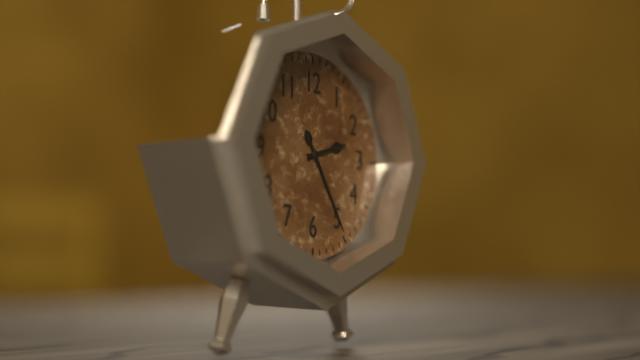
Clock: 2:25
